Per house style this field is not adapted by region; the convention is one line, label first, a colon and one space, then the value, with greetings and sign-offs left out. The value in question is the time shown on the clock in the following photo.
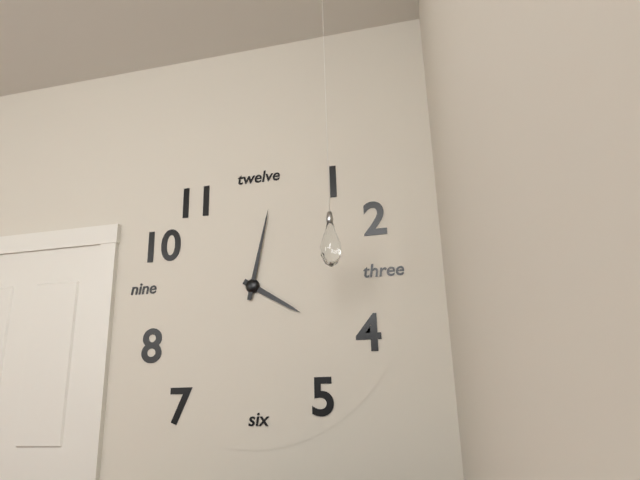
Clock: 4:02
